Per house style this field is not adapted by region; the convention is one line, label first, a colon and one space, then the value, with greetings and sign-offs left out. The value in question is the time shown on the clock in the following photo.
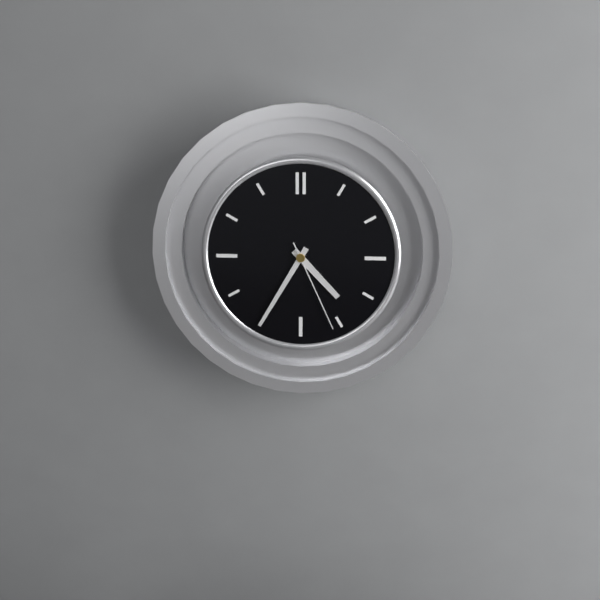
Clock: 4:35:26
